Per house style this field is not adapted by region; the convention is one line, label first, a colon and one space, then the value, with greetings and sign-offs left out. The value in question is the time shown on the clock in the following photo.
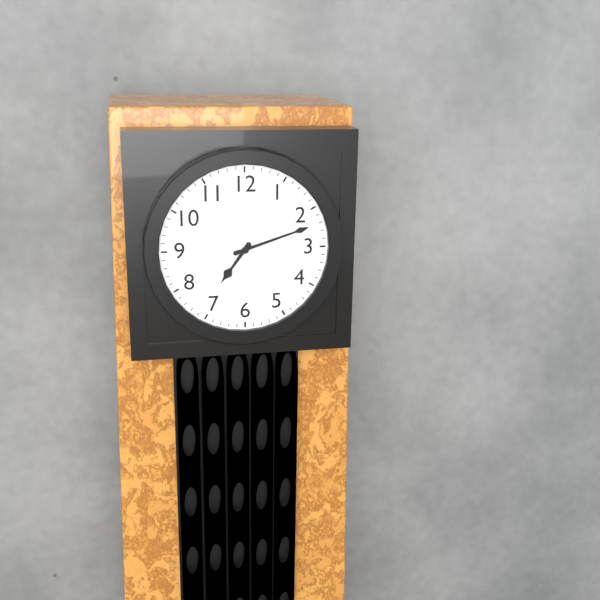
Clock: 7:12
